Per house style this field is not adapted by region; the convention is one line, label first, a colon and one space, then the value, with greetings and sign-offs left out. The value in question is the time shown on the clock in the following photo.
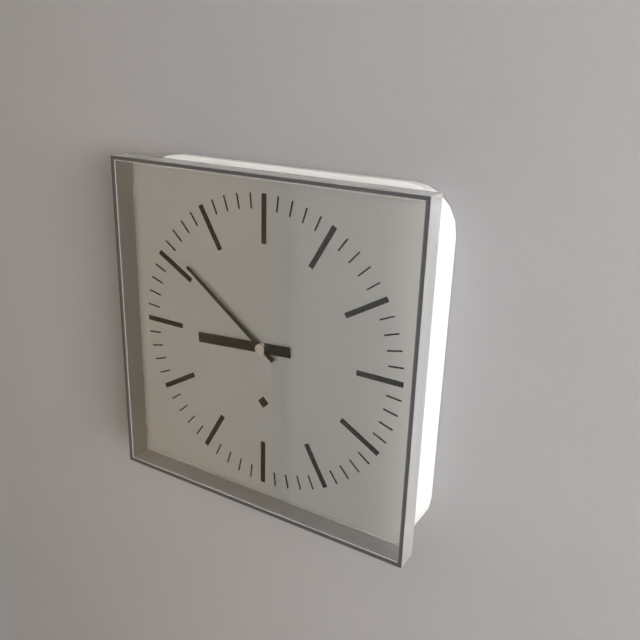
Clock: 8:51
